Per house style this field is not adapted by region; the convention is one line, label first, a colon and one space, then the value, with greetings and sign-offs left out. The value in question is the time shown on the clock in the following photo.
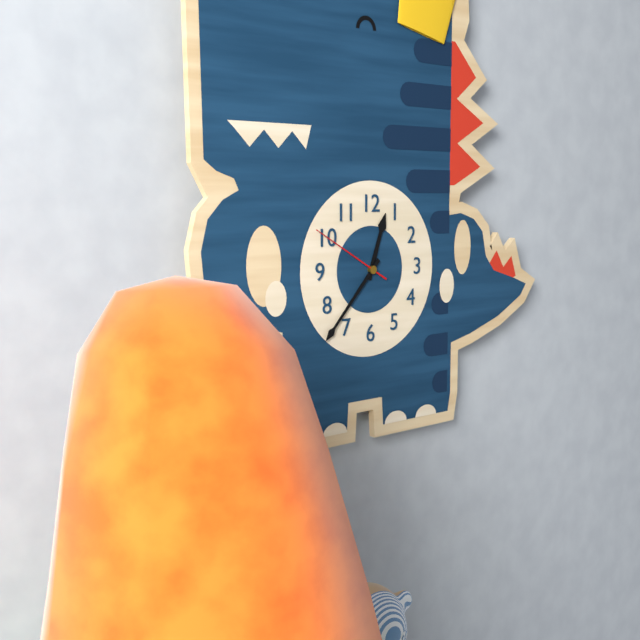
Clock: 12:37:50
